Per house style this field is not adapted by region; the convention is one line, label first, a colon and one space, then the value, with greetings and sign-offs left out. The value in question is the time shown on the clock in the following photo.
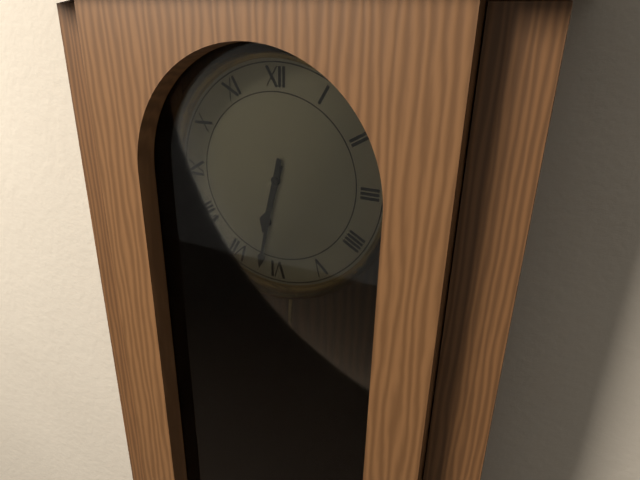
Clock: 6:32
